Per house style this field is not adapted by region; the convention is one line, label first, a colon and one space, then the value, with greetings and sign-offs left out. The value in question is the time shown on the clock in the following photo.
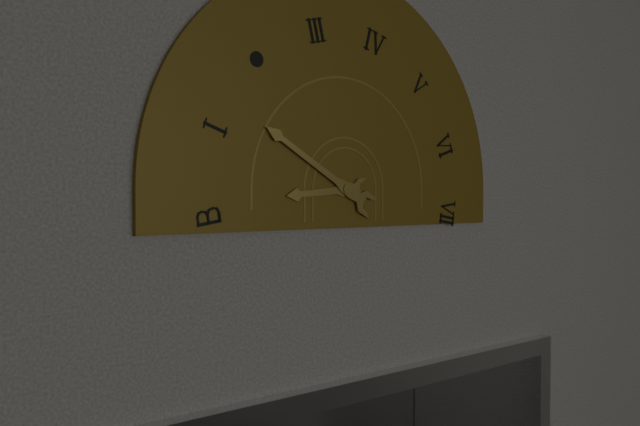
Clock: 8:50
